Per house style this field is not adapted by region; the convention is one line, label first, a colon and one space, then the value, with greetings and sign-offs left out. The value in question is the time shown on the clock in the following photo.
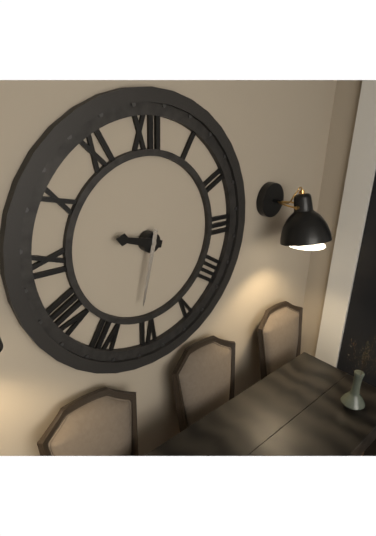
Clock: 9:32
